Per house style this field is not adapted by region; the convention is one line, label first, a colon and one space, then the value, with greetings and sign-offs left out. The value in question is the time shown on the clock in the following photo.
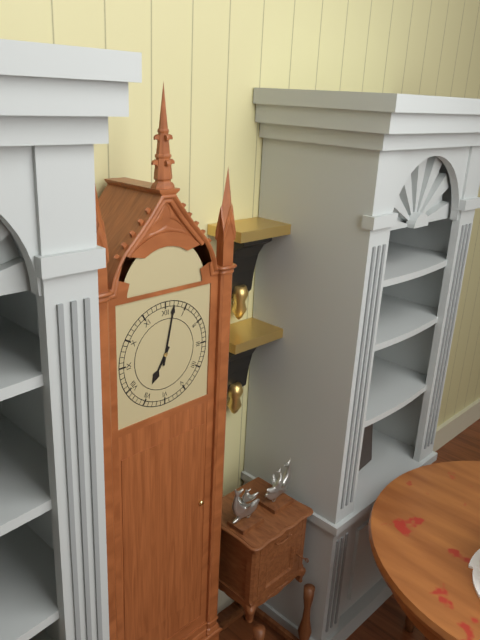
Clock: 7:02
